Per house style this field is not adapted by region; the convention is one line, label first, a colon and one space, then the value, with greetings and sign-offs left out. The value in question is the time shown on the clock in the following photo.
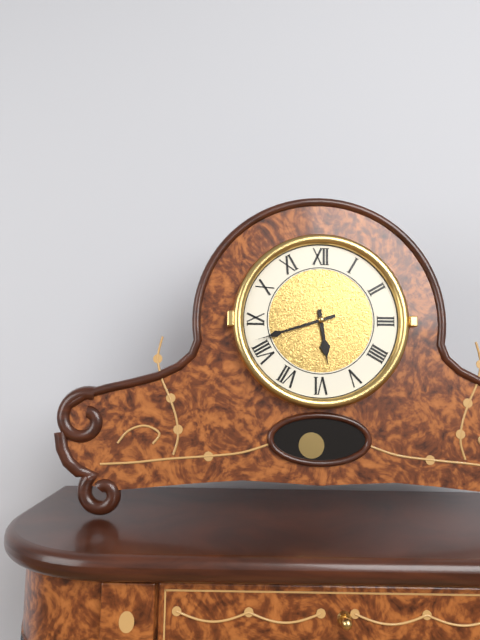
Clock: 5:42
